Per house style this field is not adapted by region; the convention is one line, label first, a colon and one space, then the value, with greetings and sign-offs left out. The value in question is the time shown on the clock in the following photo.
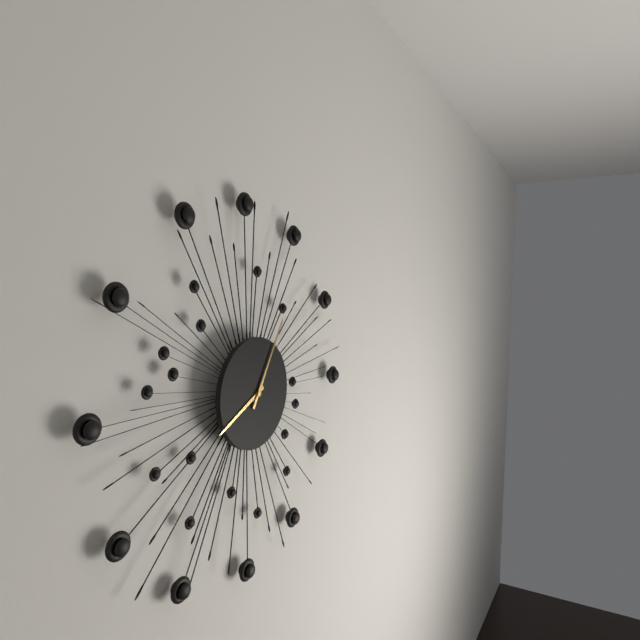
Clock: 8:05
